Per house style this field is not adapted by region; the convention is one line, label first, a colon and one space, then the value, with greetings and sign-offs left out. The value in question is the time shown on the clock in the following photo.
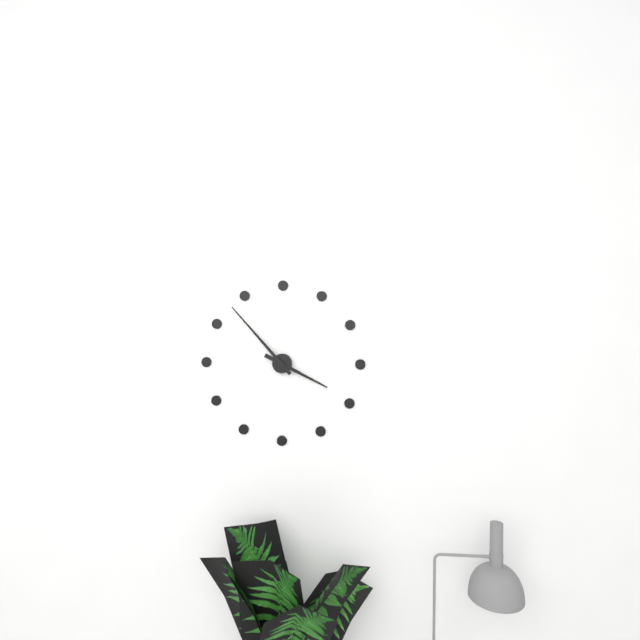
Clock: 3:53
